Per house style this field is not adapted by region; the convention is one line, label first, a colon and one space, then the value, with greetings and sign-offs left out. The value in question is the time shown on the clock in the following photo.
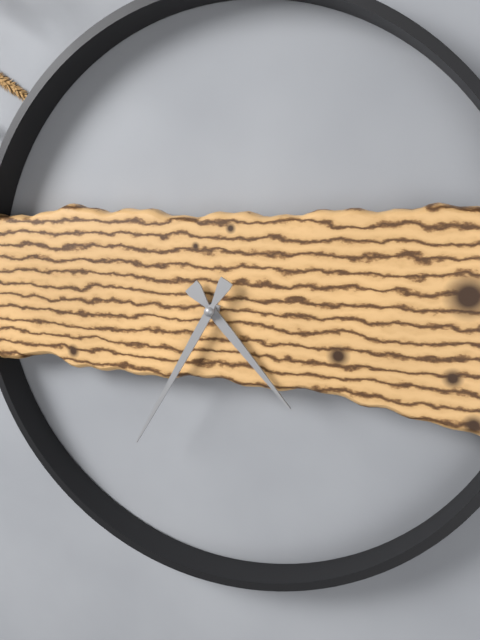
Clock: 4:35
